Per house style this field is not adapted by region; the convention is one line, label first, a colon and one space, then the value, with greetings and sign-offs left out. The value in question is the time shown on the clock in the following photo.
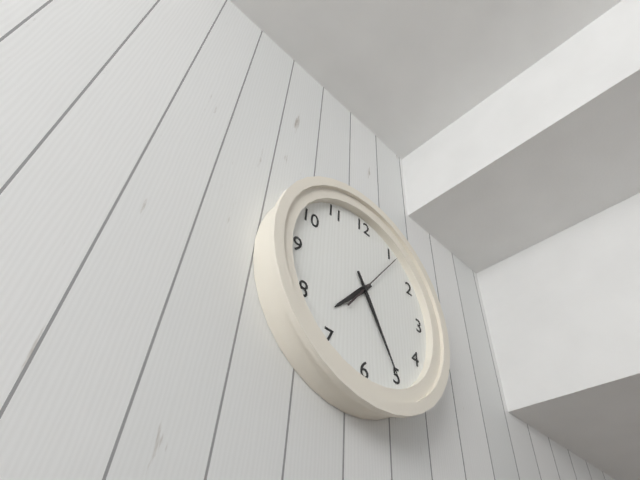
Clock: 7:25:06
